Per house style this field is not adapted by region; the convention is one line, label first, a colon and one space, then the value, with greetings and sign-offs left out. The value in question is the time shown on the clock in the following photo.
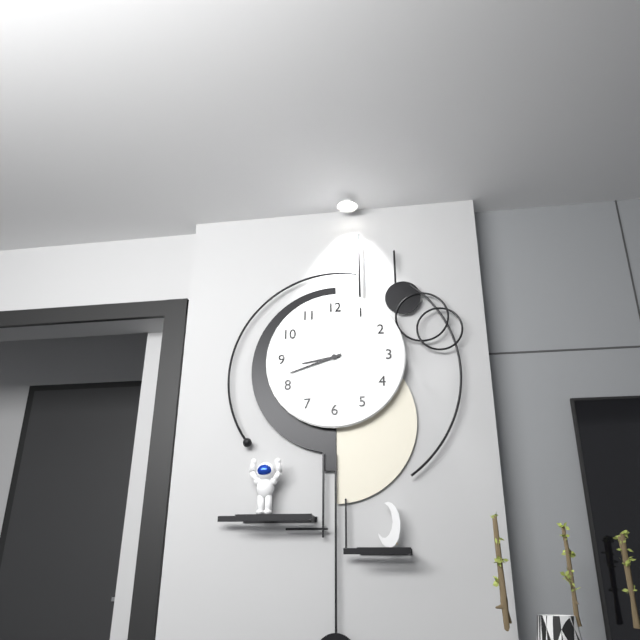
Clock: 8:42
